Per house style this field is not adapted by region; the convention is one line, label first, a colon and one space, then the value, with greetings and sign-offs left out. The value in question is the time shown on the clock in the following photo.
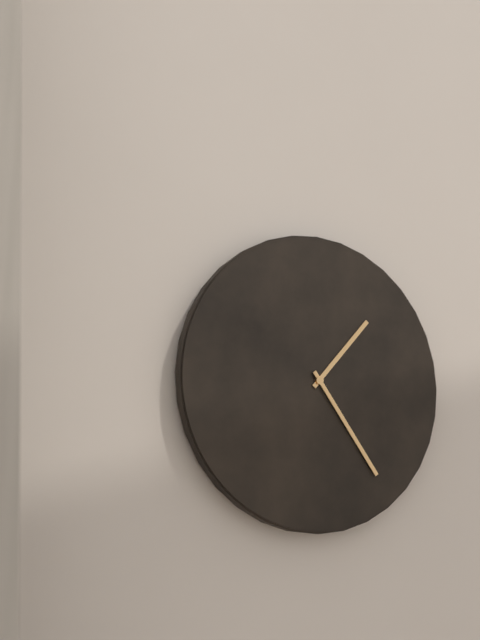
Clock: 1:24
